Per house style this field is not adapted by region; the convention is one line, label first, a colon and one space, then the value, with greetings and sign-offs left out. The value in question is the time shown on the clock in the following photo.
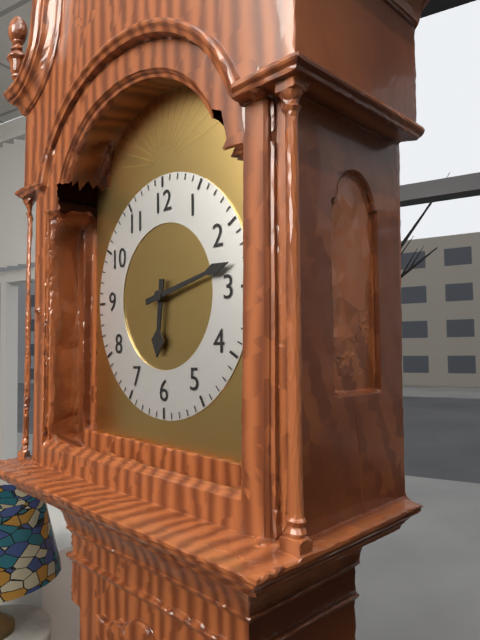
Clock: 6:13
